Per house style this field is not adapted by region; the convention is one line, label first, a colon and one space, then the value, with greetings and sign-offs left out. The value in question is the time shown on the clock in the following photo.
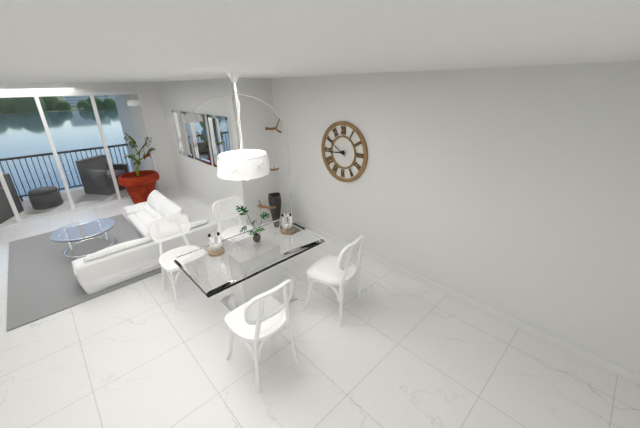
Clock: 8:50
